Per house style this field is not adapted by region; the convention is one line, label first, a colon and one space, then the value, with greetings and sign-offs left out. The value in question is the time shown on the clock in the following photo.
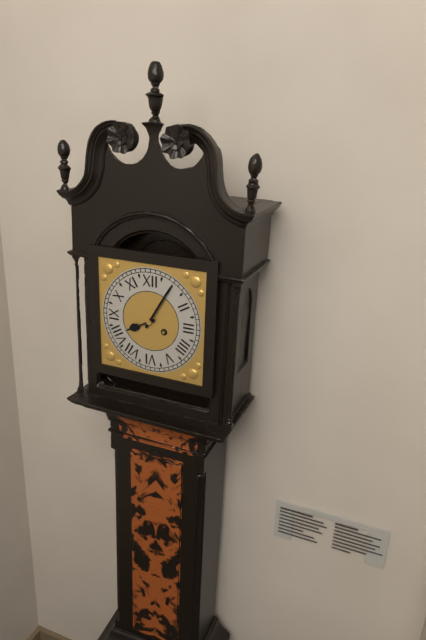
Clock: 8:05
